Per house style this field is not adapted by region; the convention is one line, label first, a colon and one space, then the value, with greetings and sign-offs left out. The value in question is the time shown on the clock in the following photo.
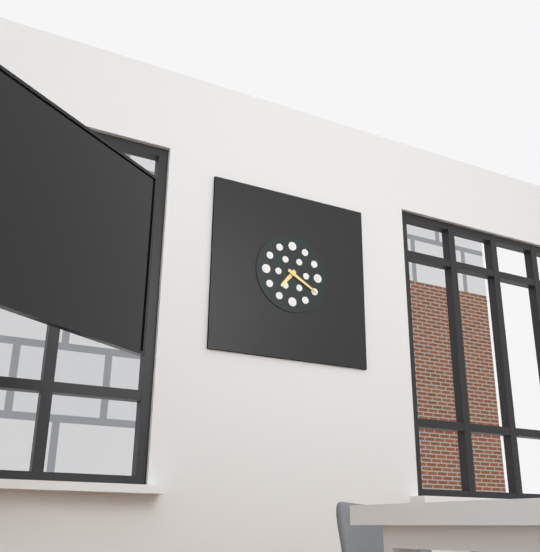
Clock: 7:20
